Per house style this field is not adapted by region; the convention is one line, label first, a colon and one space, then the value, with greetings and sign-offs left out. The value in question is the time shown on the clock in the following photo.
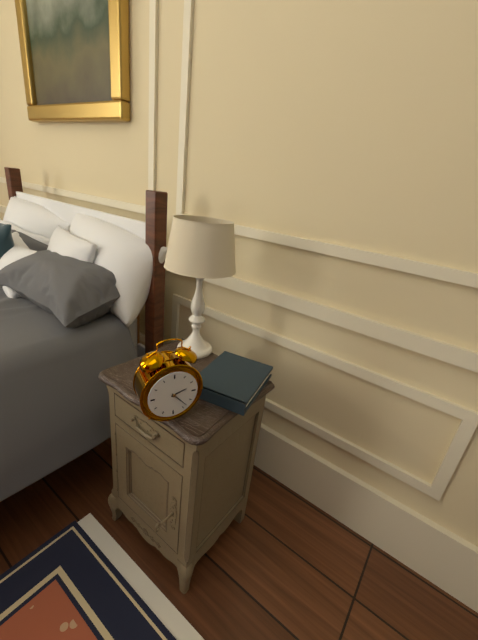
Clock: 2:23
